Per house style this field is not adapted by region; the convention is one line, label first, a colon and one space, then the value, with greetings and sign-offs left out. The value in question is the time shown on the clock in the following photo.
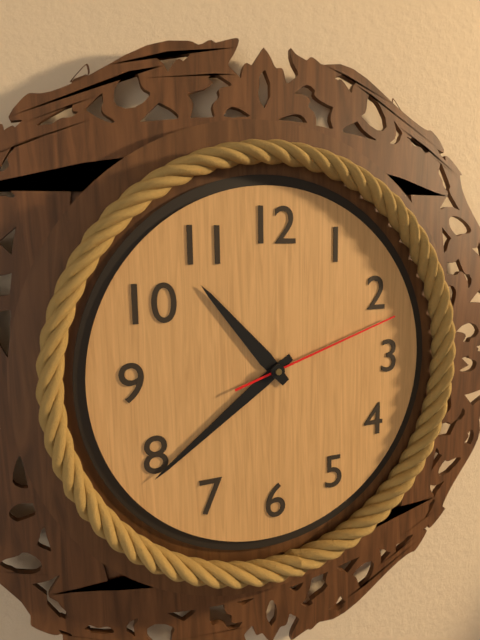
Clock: 10:39:12
